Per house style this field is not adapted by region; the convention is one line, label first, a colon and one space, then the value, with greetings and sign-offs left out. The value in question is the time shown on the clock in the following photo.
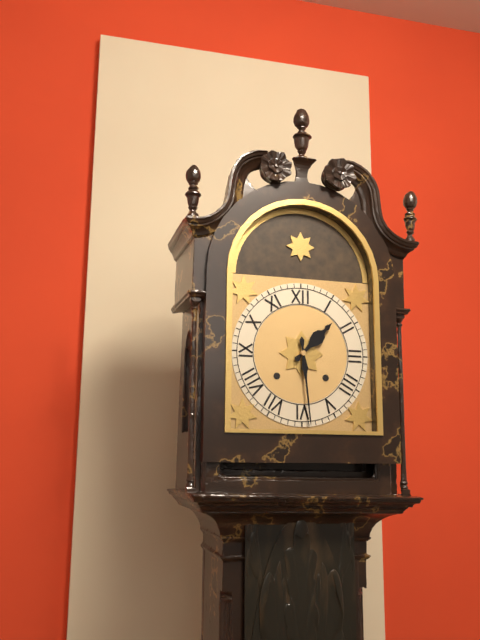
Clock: 1:29
